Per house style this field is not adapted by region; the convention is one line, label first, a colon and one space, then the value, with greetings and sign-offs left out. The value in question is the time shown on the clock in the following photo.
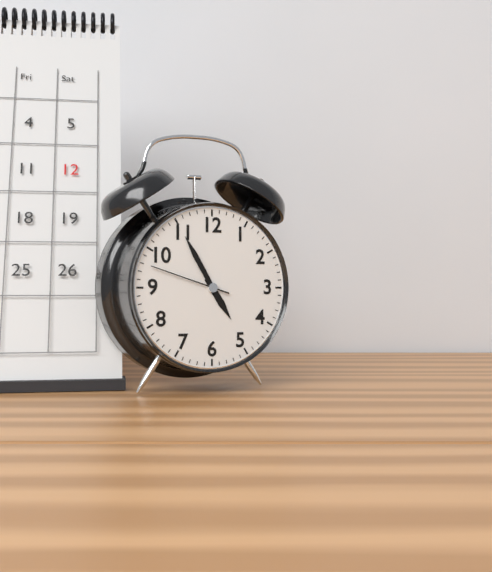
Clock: 4:55:48
